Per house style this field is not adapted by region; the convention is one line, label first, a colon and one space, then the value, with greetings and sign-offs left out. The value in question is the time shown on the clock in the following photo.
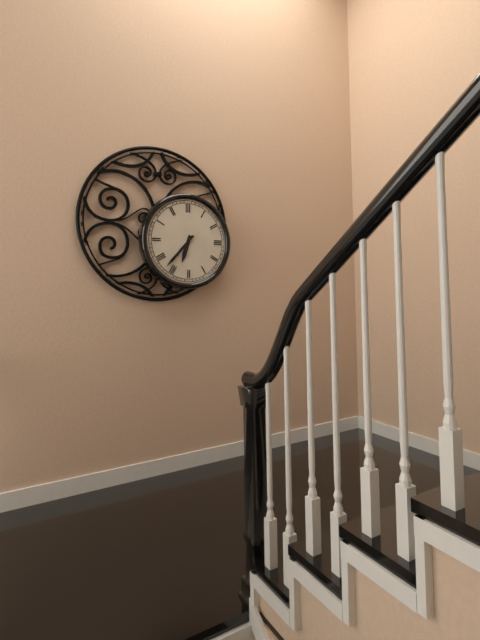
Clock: 6:37
